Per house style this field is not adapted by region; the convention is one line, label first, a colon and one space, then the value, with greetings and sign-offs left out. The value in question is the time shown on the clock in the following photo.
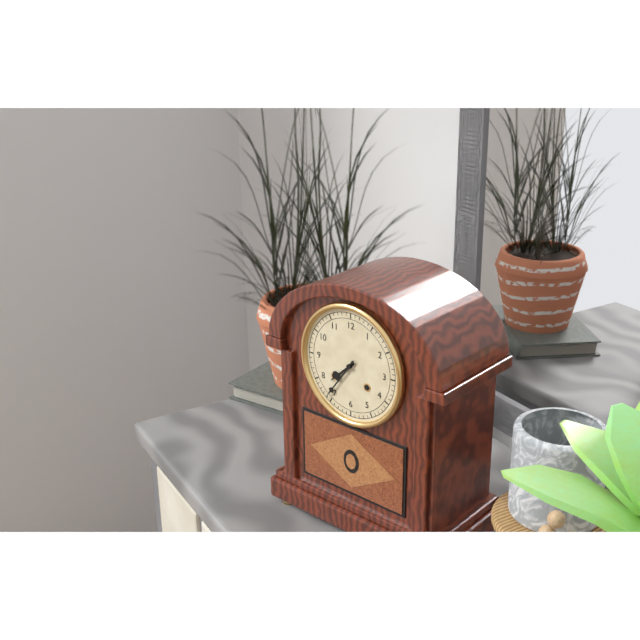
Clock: 7:36
